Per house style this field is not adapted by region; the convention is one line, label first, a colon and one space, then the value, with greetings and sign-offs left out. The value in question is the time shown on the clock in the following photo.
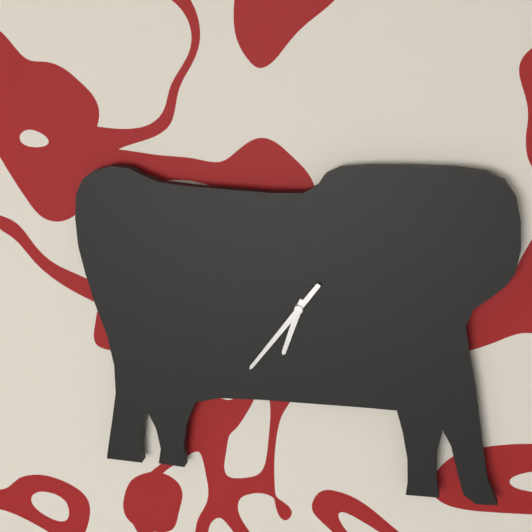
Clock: 6:36
